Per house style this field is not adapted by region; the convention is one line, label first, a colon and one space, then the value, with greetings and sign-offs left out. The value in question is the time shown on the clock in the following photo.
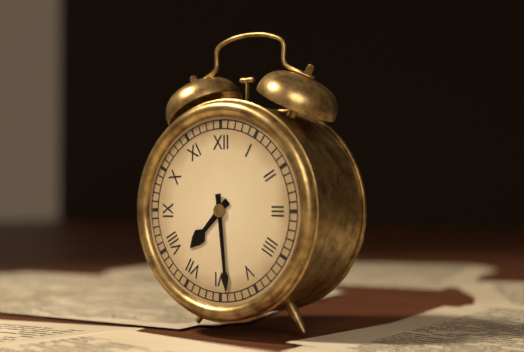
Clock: 7:29
